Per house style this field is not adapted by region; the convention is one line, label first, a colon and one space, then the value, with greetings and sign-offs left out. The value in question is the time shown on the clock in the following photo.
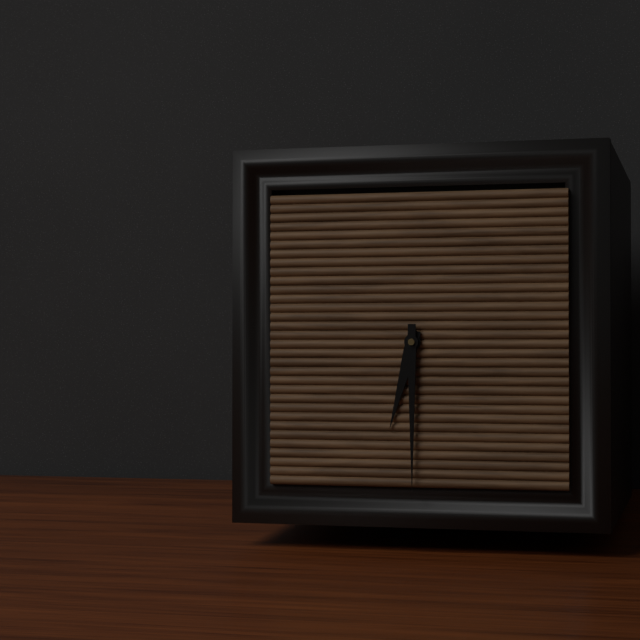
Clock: 6:30
